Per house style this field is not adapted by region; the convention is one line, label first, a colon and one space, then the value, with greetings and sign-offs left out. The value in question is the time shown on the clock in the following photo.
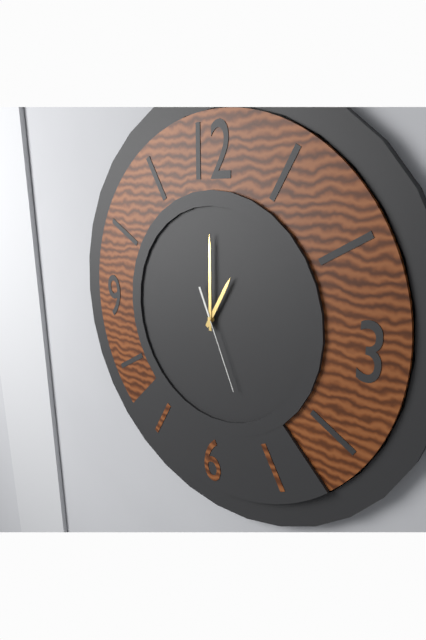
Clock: 1:00:26
